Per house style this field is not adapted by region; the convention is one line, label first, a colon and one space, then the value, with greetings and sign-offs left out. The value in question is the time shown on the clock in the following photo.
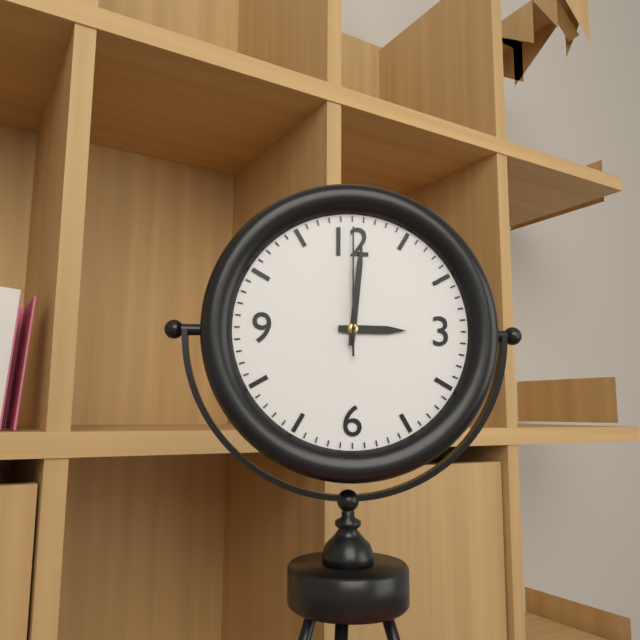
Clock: 3:01:00
